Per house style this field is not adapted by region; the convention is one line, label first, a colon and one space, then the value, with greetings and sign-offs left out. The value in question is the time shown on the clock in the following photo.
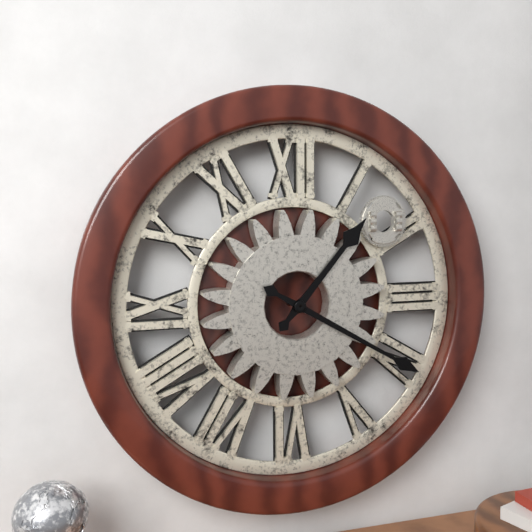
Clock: 1:20
